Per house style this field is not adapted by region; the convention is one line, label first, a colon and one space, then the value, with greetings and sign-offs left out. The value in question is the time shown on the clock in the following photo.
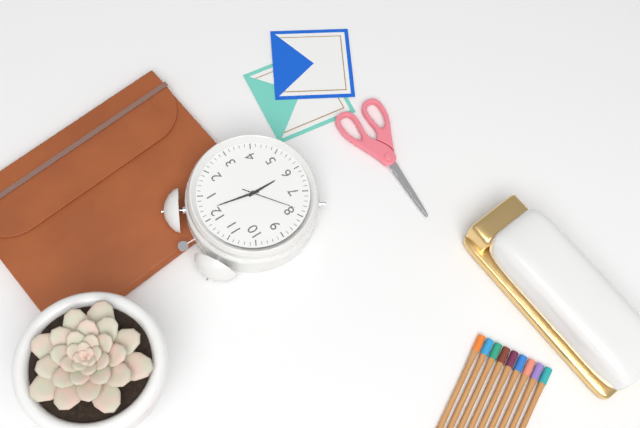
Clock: 6:02:39
